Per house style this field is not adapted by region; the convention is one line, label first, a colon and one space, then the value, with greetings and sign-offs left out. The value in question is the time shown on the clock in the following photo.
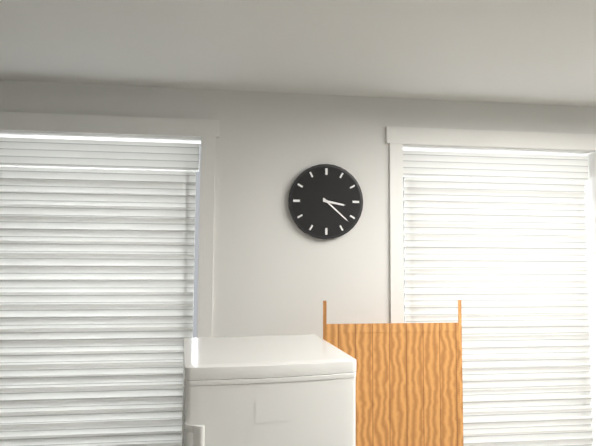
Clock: 3:22
